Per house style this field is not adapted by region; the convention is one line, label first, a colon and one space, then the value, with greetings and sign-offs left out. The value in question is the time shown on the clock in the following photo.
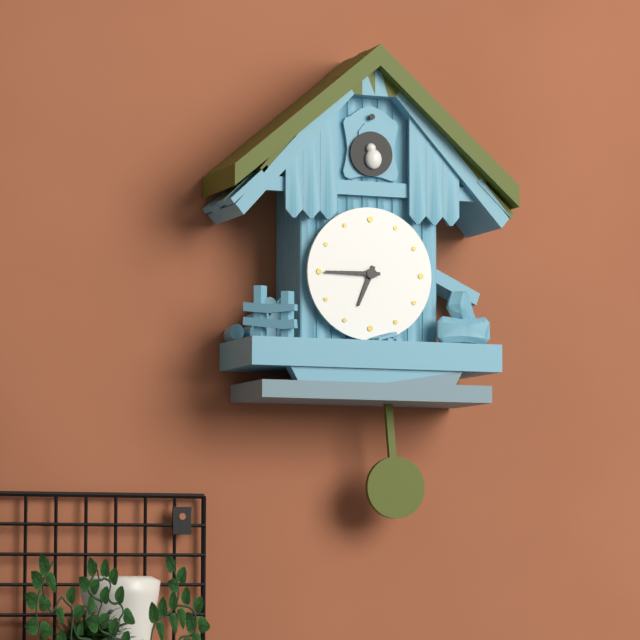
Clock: 6:45
